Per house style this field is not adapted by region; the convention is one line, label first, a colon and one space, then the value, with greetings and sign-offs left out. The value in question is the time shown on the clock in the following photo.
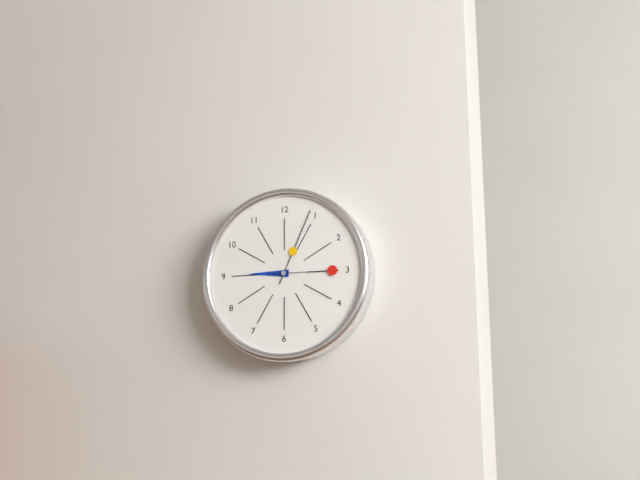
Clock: 9:04:15
